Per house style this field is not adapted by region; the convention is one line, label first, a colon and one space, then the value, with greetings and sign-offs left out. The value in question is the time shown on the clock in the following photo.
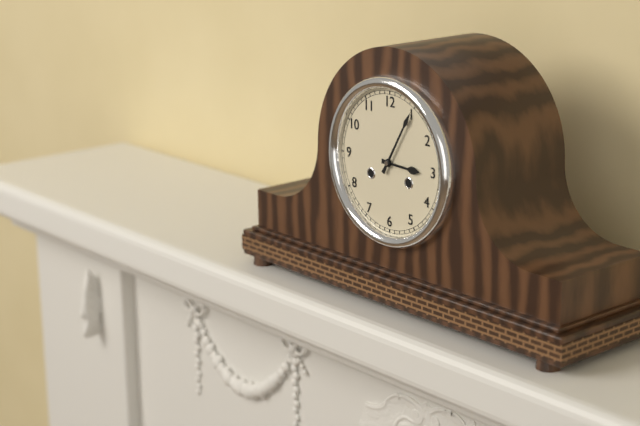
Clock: 3:05
